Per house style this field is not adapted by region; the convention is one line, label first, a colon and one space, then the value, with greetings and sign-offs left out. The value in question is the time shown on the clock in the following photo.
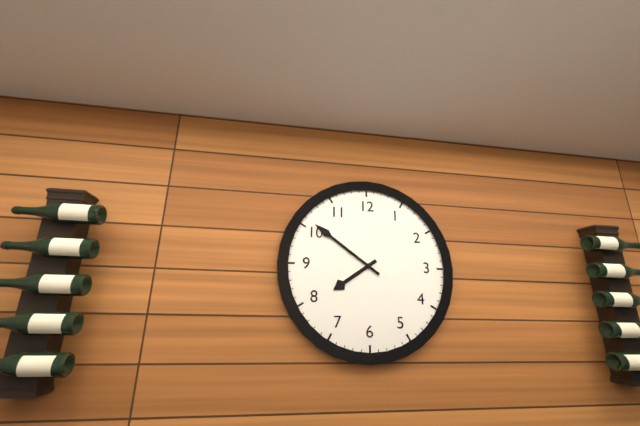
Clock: 7:51
